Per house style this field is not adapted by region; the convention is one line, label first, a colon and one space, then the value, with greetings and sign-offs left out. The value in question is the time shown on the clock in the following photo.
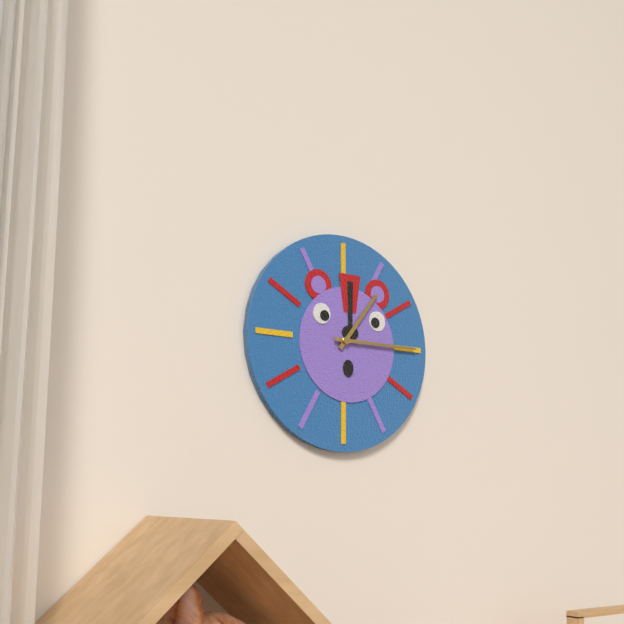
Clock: 1:15
